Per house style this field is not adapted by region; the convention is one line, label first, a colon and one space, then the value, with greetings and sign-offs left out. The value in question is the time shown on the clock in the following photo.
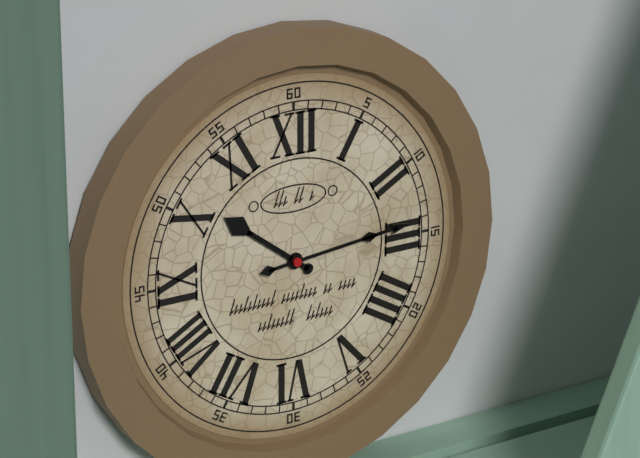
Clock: 10:14
